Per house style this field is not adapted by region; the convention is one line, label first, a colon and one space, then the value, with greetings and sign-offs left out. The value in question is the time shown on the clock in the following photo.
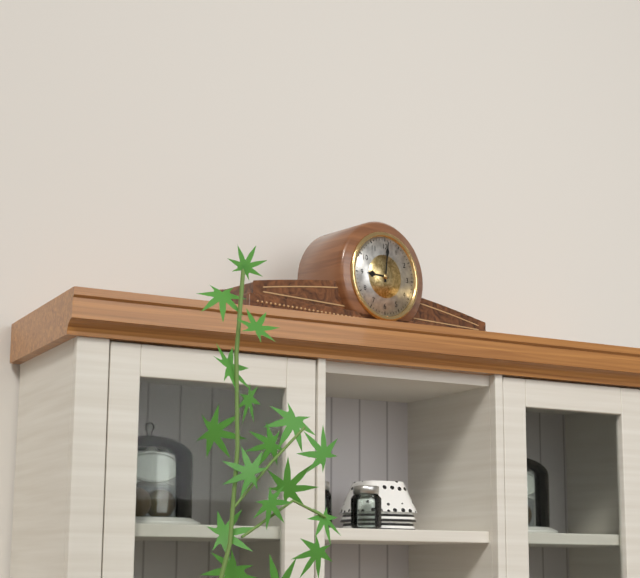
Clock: 9:01
